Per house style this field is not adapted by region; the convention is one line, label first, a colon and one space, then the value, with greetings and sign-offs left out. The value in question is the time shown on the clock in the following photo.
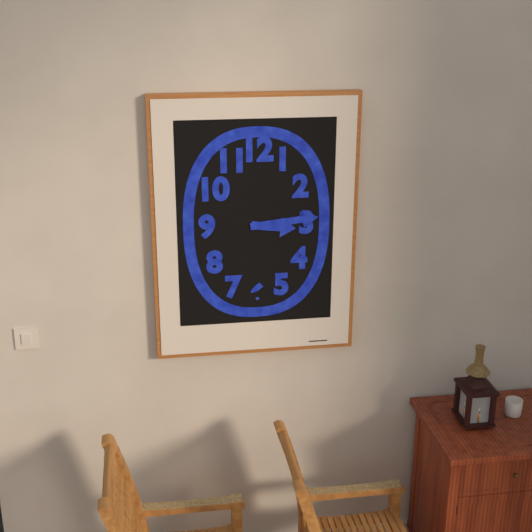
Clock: 3:14
